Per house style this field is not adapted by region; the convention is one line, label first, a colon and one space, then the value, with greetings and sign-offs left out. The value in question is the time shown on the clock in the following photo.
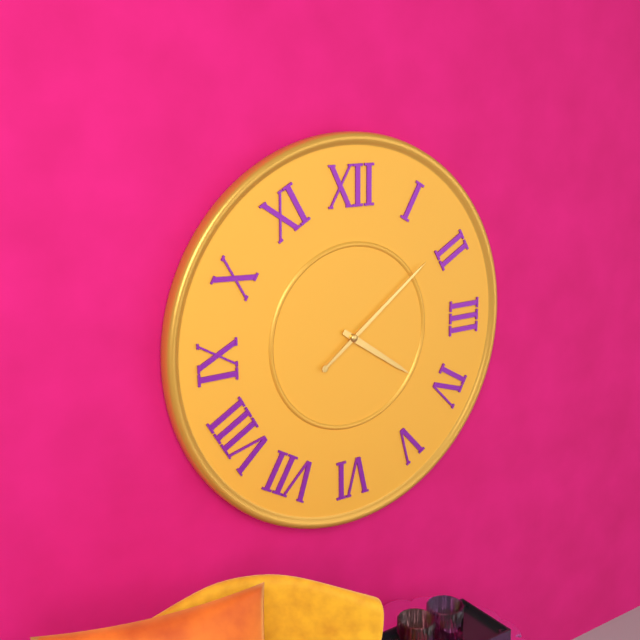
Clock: 4:09
